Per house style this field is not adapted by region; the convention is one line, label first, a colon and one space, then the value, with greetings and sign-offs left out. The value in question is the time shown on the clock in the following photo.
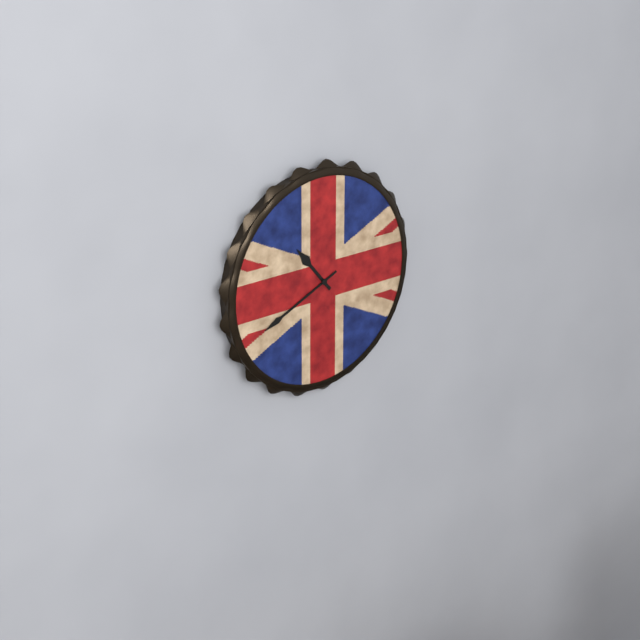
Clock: 10:41
